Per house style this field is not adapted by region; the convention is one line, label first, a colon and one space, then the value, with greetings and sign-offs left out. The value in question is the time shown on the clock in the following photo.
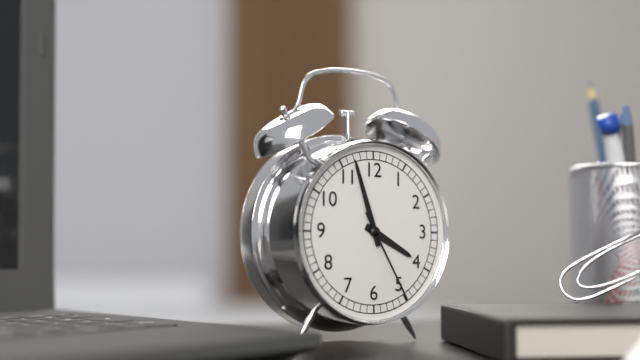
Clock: 3:57:25
